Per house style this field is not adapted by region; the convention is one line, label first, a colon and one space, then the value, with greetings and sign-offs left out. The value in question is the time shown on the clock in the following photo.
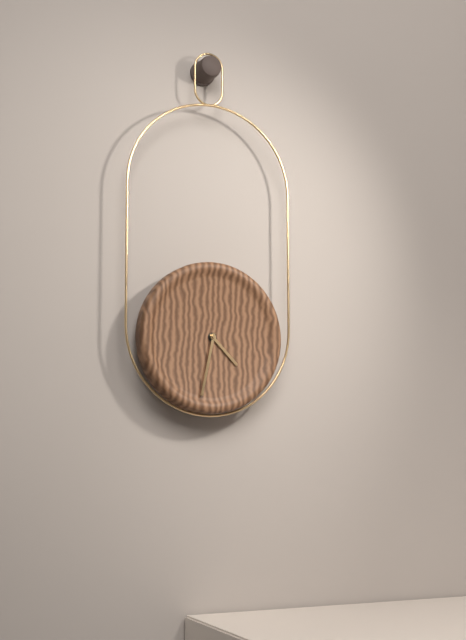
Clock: 4:32
